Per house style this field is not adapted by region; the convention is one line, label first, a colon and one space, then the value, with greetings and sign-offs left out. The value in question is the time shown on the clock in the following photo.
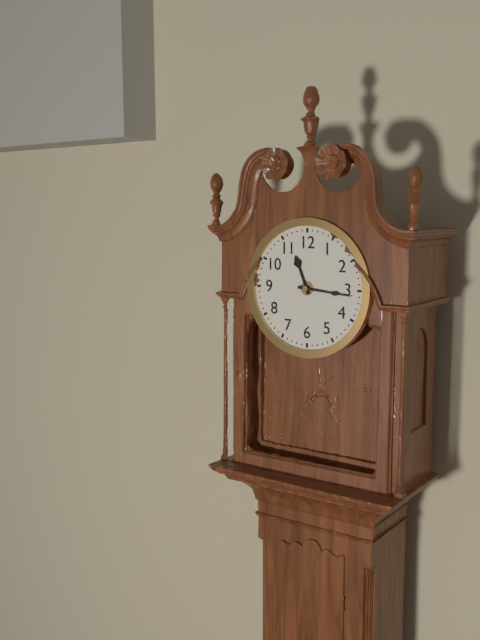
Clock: 11:16
